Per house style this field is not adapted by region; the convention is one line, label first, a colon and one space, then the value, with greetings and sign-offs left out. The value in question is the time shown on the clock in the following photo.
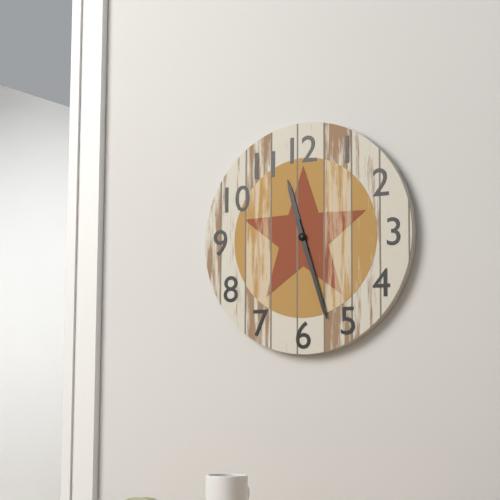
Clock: 11:27
